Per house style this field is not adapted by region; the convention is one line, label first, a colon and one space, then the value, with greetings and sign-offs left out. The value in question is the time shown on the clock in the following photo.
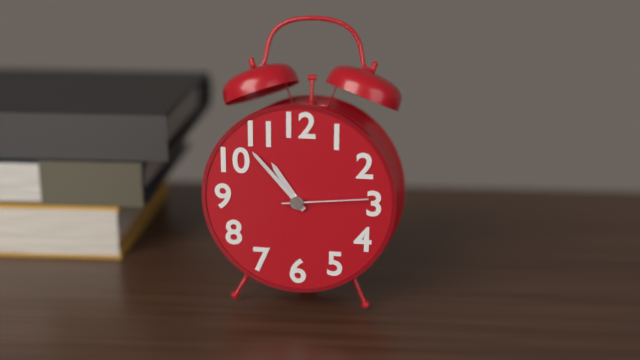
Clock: 10:53:14
